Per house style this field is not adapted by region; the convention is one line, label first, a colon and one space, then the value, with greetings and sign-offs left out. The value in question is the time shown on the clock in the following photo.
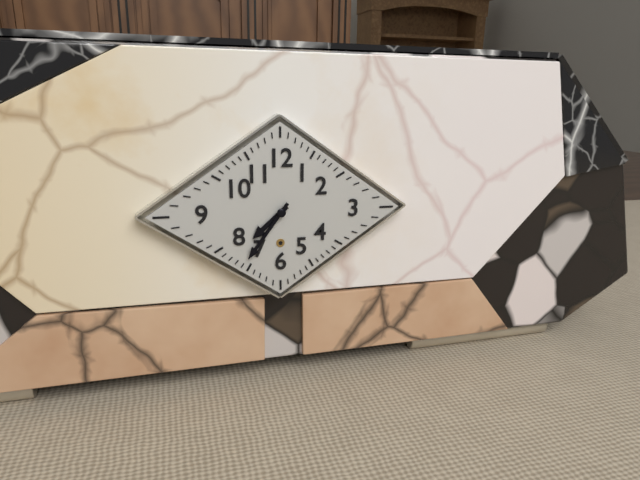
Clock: 7:36
